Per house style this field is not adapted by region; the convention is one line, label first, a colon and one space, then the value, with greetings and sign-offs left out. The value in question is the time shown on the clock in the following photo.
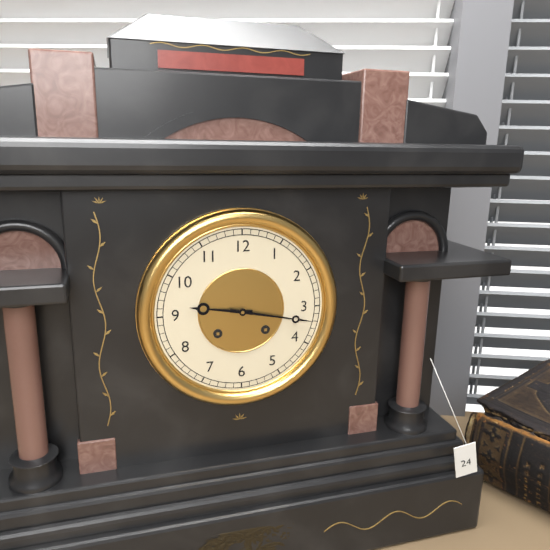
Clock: 9:17
